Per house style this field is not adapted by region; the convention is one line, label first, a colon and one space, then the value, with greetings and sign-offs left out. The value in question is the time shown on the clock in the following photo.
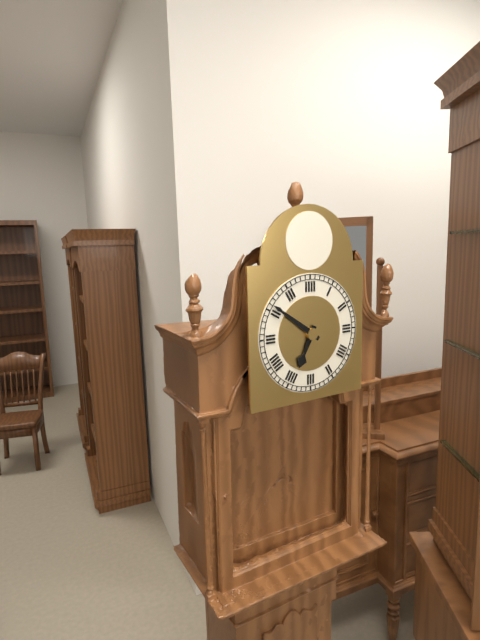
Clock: 6:51
